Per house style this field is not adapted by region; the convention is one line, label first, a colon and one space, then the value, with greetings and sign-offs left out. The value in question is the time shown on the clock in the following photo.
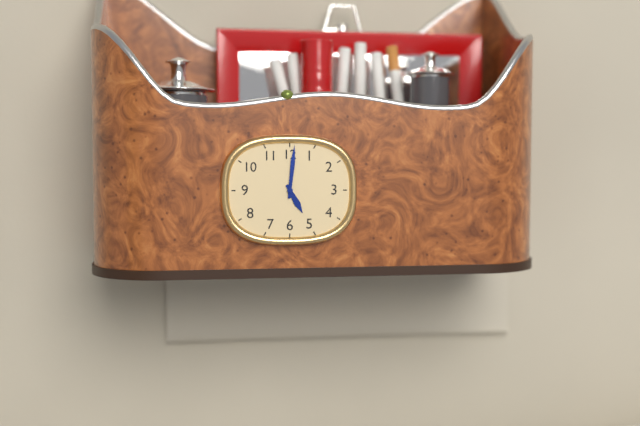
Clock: 5:01
